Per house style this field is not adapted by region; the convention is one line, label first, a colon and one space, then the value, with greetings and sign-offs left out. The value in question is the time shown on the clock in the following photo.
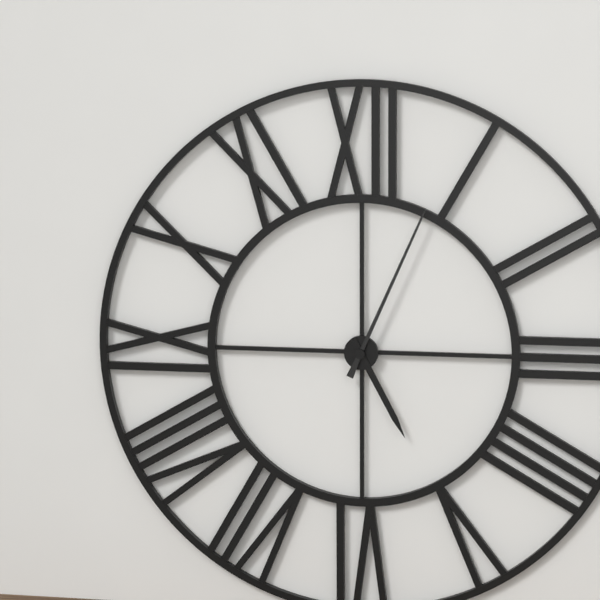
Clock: 5:04
